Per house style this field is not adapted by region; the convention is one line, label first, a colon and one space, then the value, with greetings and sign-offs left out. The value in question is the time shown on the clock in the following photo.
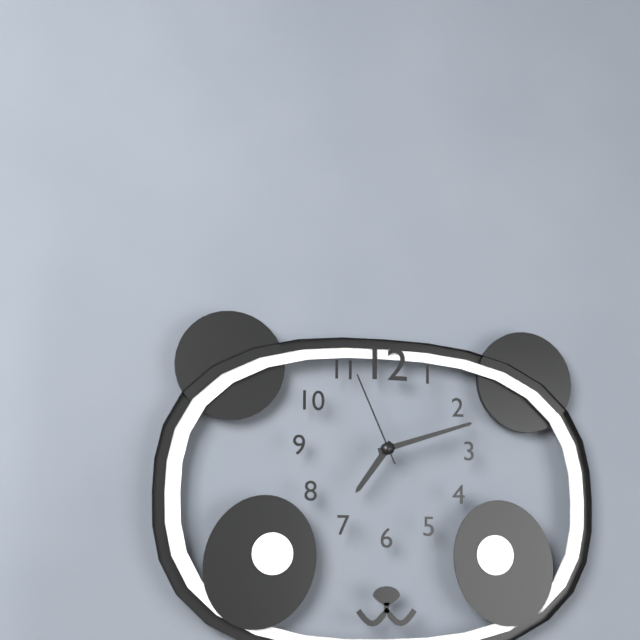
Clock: 7:12:56
